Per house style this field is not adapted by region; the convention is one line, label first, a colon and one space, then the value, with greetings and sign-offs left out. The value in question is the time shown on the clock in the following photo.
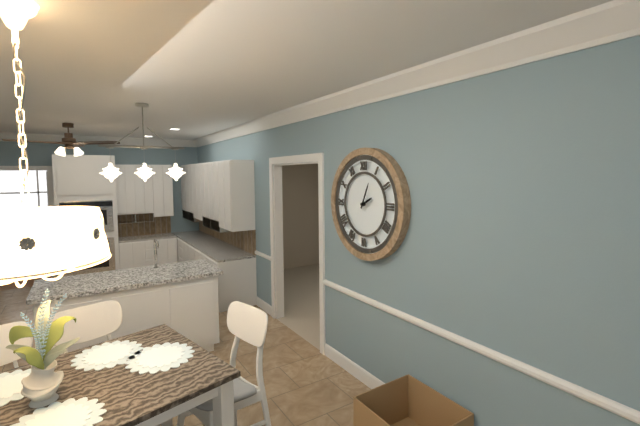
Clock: 2:04
